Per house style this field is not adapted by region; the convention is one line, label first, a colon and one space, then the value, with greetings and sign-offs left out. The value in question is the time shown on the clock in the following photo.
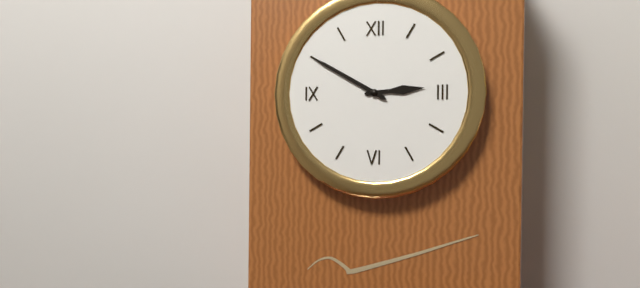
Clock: 2:50
